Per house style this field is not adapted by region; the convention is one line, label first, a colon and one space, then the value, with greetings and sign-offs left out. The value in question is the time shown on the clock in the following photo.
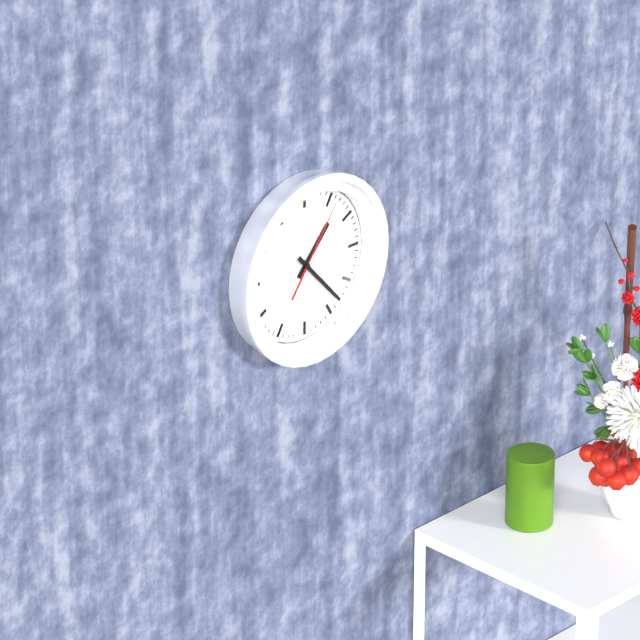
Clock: 1:23:06
